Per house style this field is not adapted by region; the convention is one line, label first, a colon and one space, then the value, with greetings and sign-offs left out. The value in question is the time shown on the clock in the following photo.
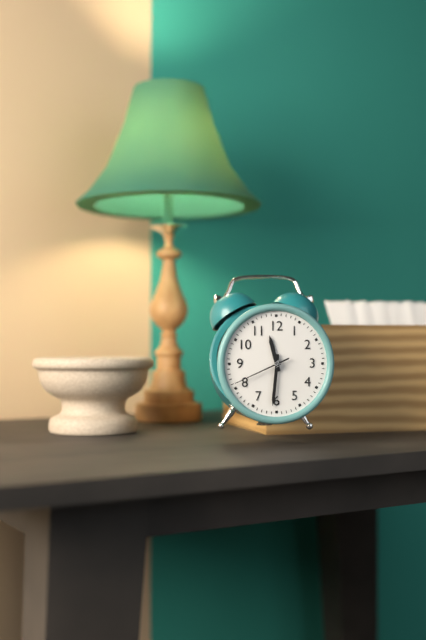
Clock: 11:31:41
